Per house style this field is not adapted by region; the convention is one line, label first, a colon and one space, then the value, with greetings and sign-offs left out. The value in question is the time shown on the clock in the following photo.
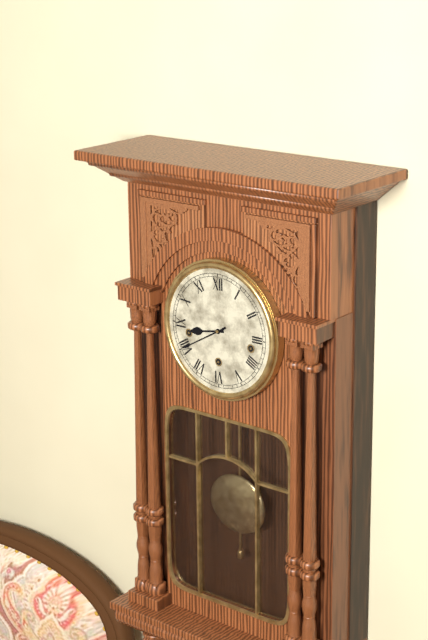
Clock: 8:40
